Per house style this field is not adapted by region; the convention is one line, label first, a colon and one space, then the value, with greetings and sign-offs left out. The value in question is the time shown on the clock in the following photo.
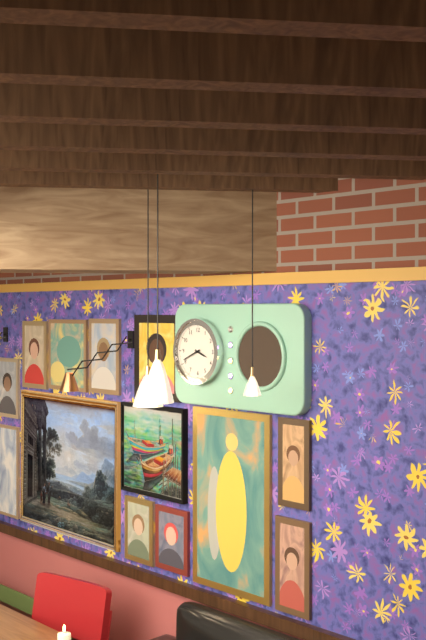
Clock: 3:41
